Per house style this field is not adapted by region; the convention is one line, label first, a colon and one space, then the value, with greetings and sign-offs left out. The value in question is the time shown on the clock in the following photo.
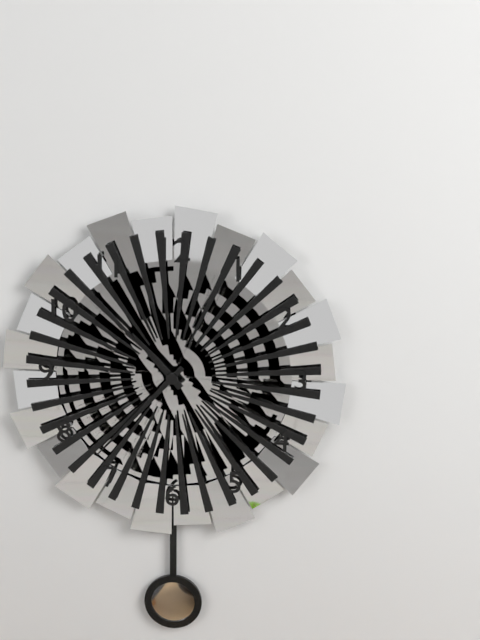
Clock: 10:37
